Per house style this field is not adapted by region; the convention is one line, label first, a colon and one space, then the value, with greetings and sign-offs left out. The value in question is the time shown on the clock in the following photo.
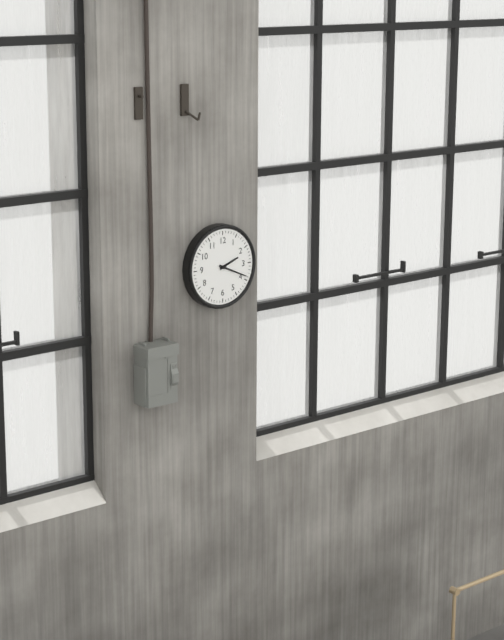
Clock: 2:19
